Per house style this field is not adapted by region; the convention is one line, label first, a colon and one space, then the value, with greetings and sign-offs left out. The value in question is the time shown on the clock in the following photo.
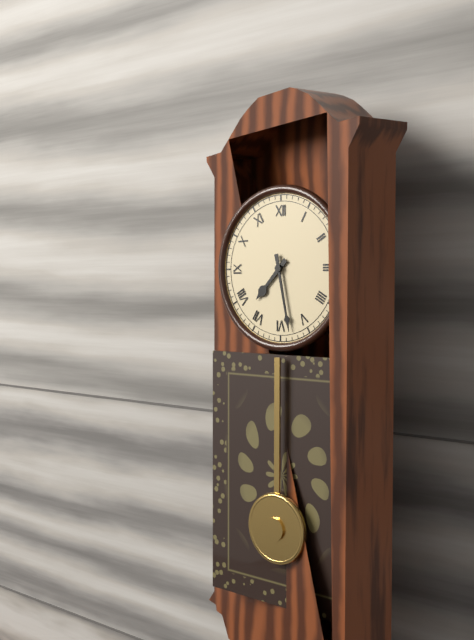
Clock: 7:28
